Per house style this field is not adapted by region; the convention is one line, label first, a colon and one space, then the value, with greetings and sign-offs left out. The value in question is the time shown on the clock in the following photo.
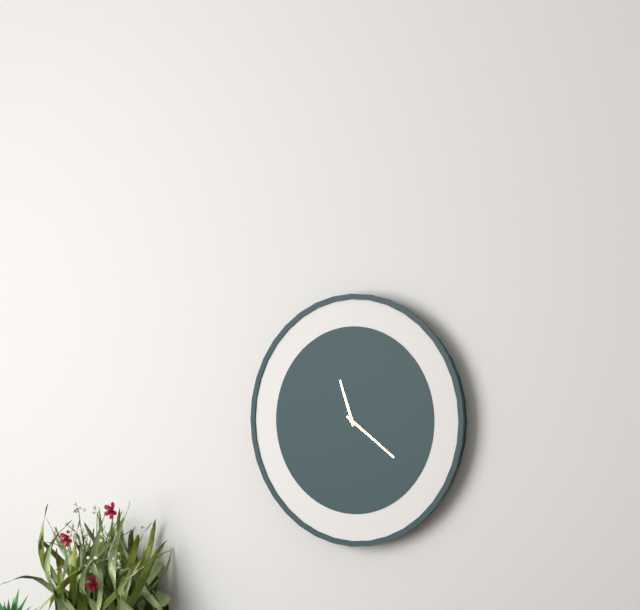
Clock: 11:21
